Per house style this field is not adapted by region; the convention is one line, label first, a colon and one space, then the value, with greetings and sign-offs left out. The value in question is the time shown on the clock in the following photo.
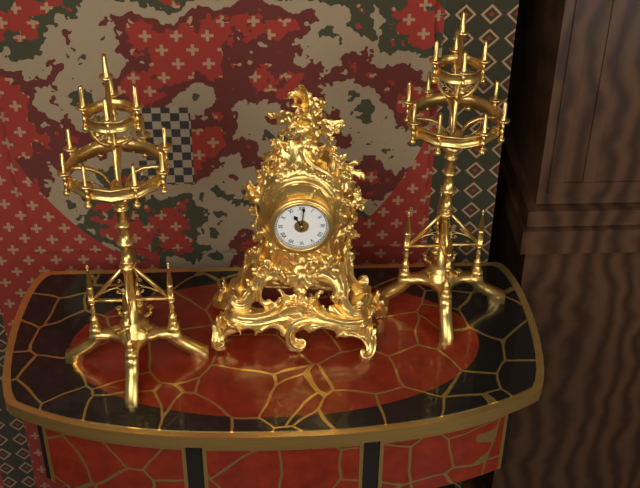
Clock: 11:01
